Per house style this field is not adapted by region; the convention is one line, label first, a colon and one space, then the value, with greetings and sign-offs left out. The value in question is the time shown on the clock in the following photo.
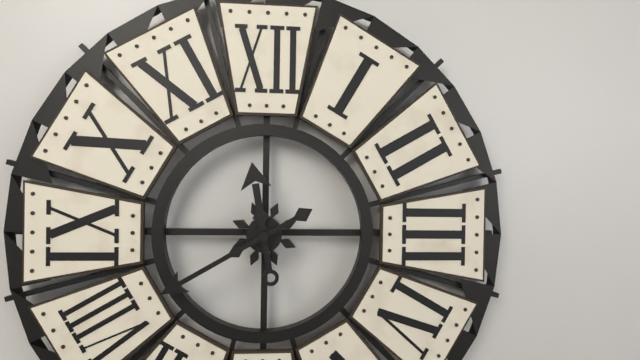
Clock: 11:40
